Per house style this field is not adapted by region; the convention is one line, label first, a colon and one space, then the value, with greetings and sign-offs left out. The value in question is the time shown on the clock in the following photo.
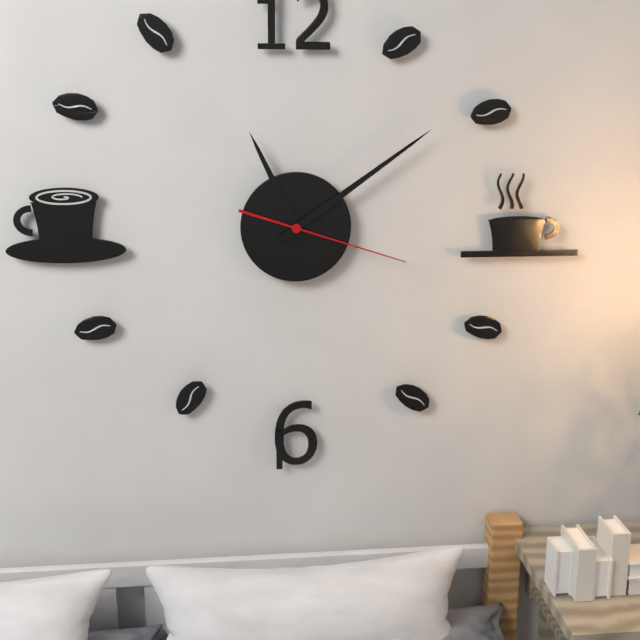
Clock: 11:09:18
